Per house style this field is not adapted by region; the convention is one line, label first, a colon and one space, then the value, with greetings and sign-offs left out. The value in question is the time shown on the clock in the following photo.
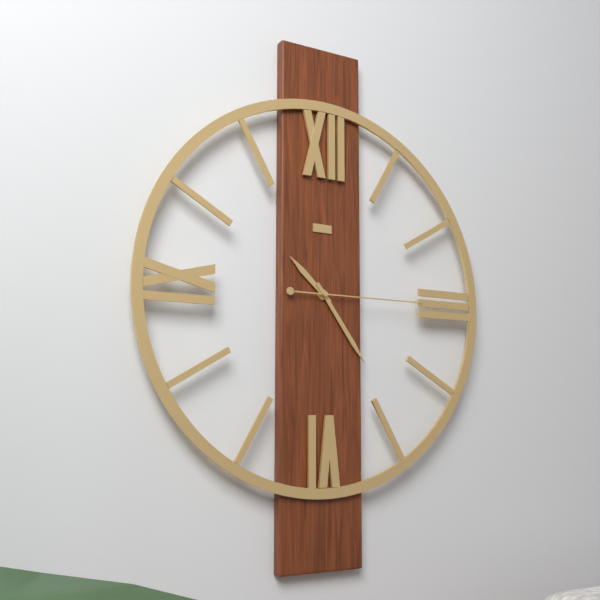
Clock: 10:24:15
